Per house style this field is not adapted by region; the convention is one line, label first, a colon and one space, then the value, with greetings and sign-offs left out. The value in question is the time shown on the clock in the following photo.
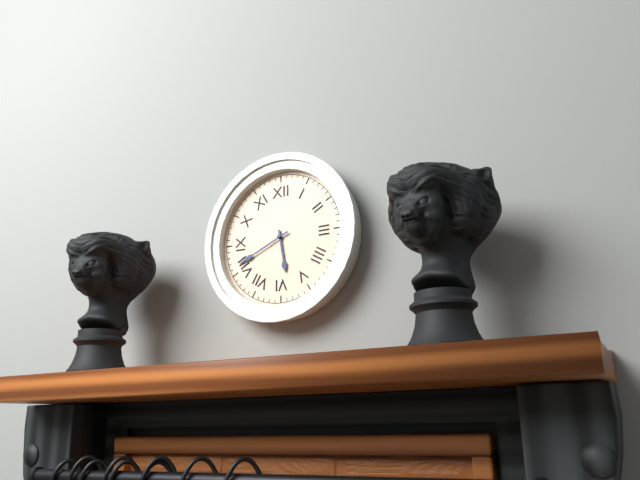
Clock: 5:41
